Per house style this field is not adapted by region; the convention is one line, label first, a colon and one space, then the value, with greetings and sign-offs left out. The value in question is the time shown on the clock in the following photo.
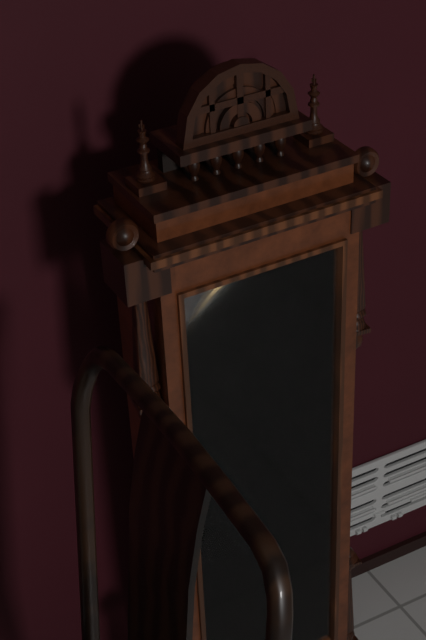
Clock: 1:13
